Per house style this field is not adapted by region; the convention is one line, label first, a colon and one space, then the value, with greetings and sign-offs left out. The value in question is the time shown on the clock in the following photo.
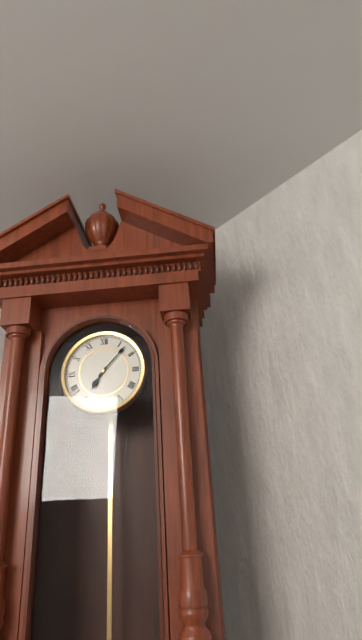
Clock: 7:07
